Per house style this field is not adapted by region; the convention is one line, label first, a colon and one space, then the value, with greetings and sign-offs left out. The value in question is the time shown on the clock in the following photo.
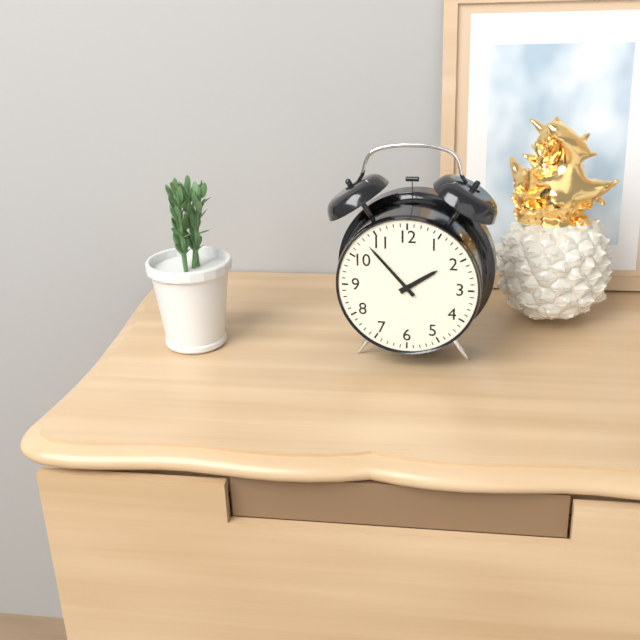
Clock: 1:53
